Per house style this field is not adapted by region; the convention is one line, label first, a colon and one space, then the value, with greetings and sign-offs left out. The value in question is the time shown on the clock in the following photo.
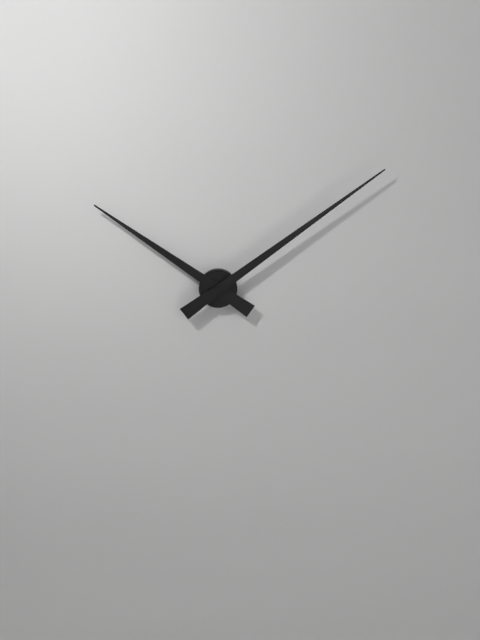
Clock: 10:09
